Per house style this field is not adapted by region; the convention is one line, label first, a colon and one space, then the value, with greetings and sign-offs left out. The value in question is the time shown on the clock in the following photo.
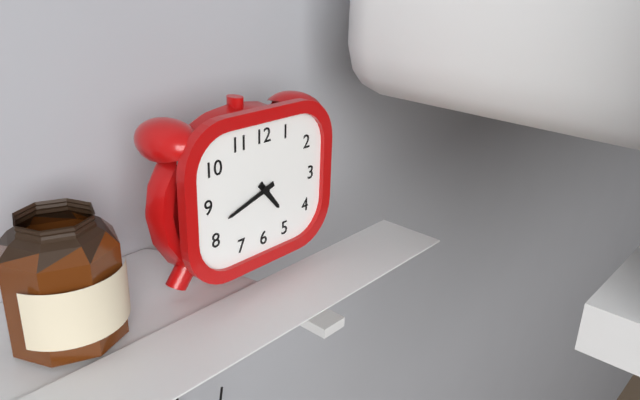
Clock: 4:42
